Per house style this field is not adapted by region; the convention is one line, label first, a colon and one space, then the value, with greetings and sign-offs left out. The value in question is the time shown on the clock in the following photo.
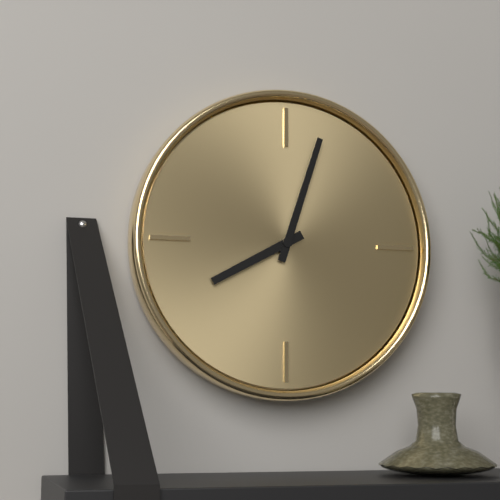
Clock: 8:03
